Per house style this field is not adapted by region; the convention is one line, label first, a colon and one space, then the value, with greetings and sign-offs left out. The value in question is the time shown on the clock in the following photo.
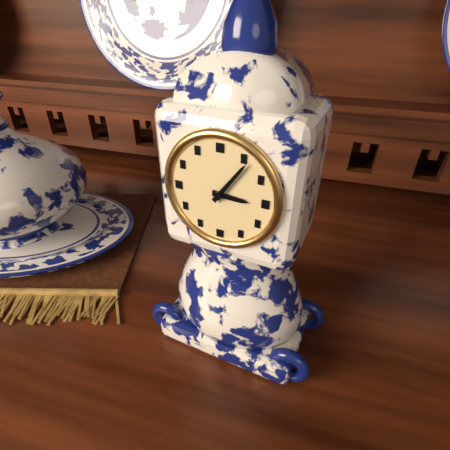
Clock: 3:06
